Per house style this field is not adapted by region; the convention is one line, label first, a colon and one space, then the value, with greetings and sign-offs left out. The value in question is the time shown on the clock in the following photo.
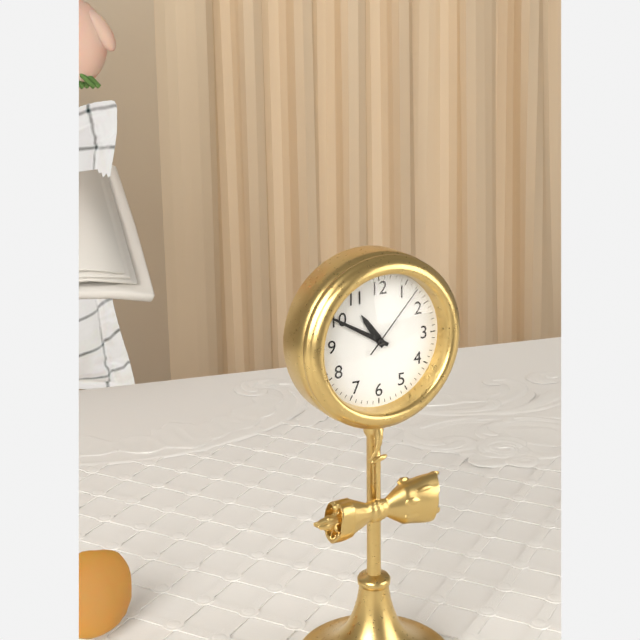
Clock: 10:50:07
